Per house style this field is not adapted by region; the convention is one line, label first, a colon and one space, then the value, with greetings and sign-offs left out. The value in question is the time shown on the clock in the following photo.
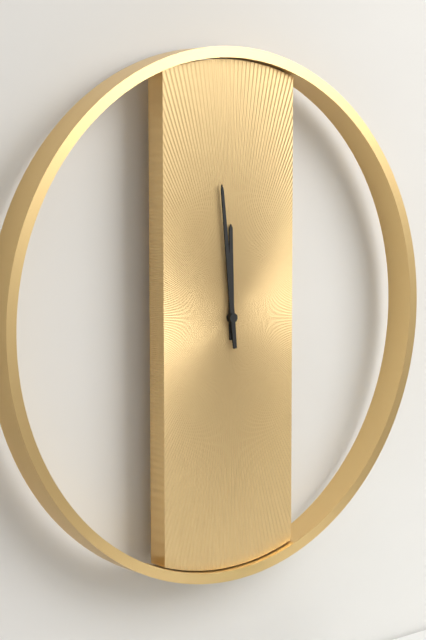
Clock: 11:59
